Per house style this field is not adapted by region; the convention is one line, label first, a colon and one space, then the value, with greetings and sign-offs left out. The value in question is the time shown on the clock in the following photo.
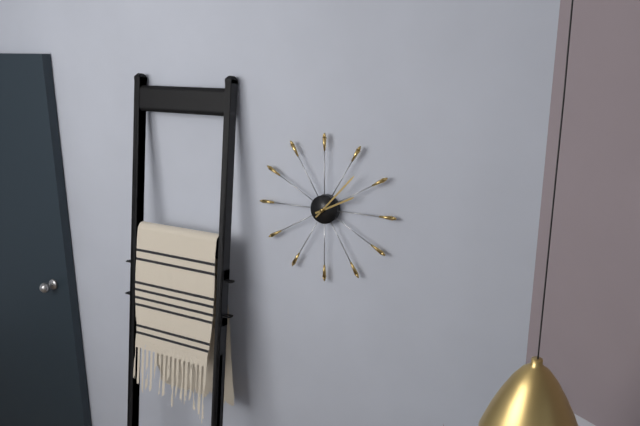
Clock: 2:07
